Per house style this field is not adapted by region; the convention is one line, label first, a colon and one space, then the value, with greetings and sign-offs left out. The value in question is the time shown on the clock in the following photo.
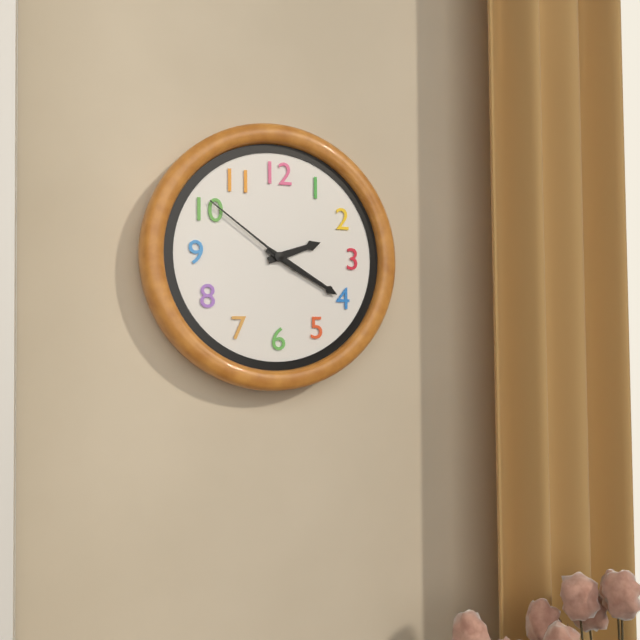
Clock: 2:20:51
